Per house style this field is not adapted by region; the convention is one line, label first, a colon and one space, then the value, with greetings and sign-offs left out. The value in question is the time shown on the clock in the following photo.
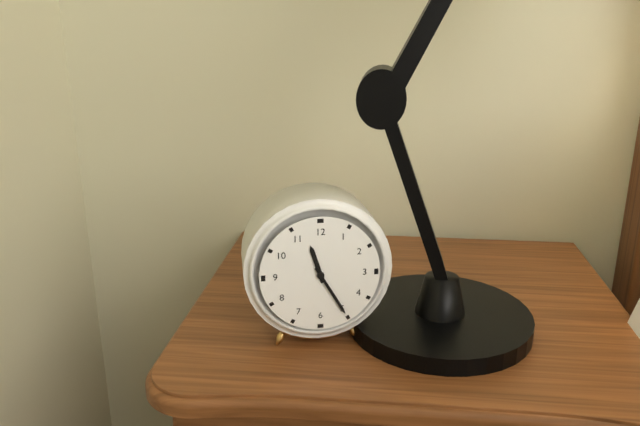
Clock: 11:25
